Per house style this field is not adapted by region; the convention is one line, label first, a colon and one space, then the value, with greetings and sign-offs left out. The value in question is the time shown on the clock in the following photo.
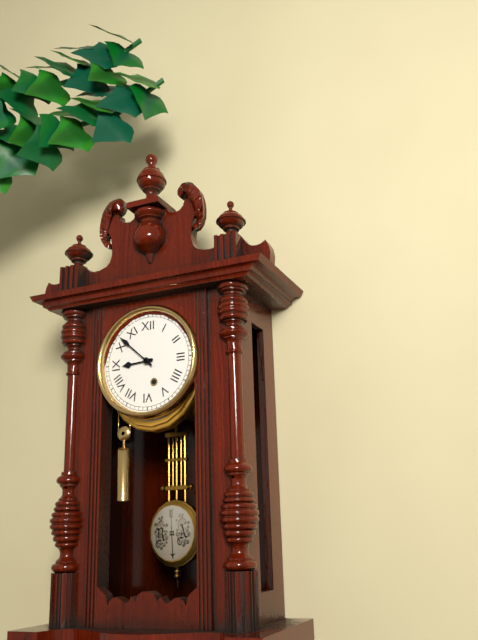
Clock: 8:52
